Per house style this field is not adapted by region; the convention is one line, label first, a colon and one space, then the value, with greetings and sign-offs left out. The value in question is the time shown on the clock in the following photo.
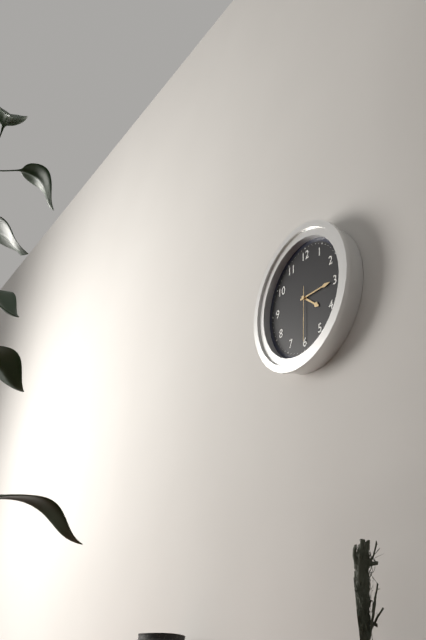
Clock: 4:15:30
